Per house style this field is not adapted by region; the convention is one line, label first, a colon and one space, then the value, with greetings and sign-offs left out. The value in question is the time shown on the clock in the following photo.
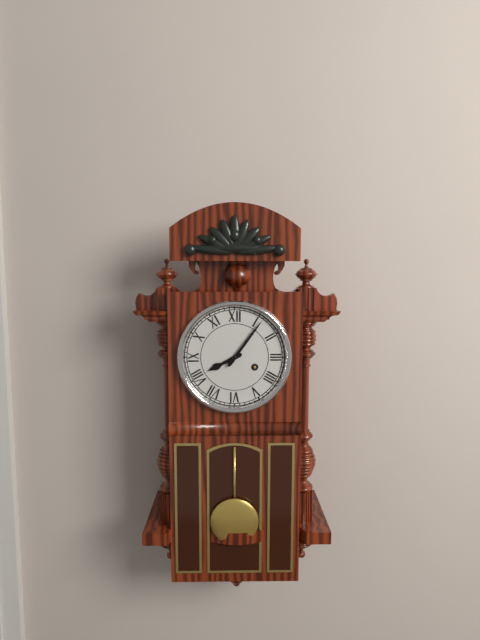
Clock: 8:06
